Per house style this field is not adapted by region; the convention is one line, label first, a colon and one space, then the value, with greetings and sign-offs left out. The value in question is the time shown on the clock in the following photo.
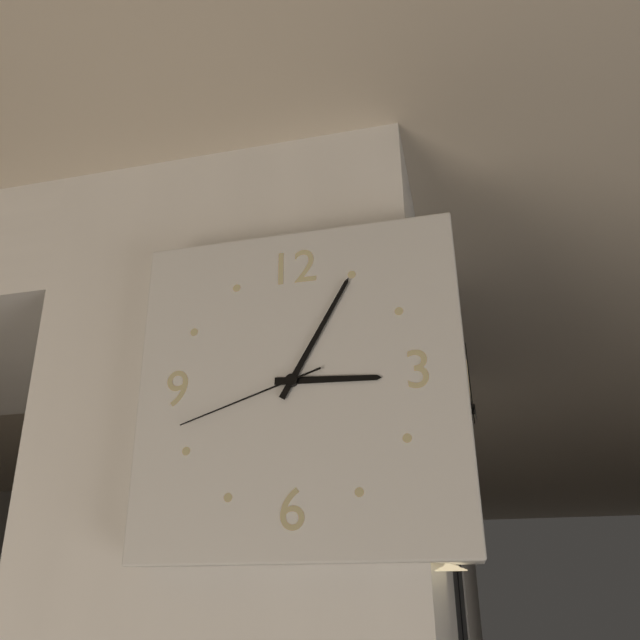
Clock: 3:05:42
